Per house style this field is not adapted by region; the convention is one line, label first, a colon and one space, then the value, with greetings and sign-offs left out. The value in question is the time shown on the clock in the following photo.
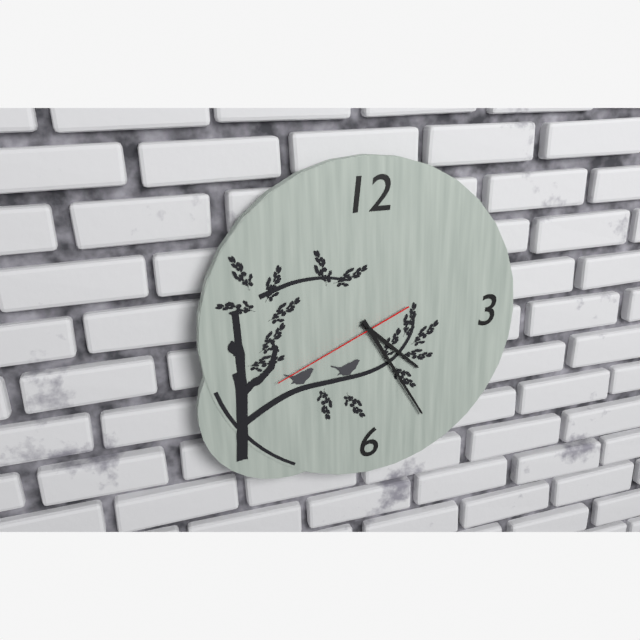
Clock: 4:25:41
